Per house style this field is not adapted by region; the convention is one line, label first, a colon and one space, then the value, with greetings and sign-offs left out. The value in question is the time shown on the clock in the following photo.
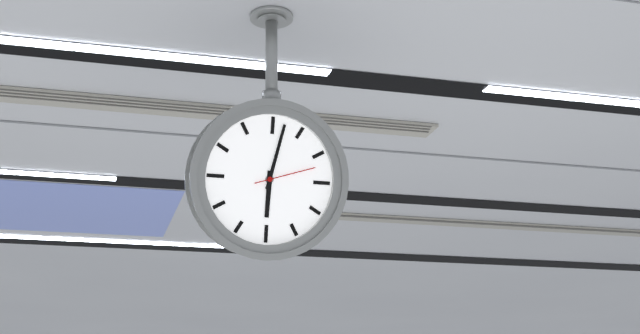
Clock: 6:02:12
